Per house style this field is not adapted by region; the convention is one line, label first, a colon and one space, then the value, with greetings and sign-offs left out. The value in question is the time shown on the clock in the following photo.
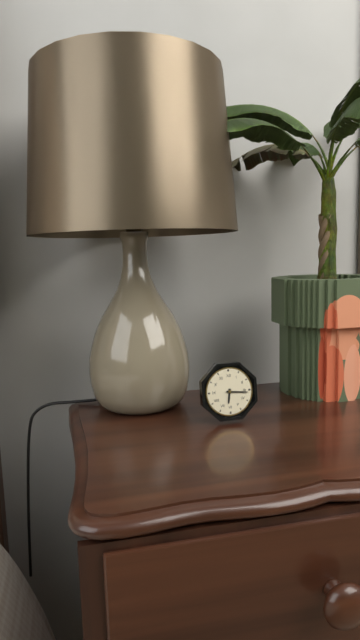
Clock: 6:16
